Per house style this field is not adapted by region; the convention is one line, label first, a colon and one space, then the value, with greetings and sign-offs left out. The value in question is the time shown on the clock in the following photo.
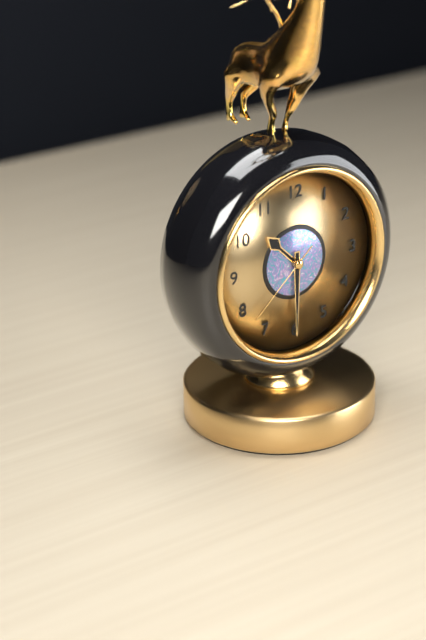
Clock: 10:30:38
